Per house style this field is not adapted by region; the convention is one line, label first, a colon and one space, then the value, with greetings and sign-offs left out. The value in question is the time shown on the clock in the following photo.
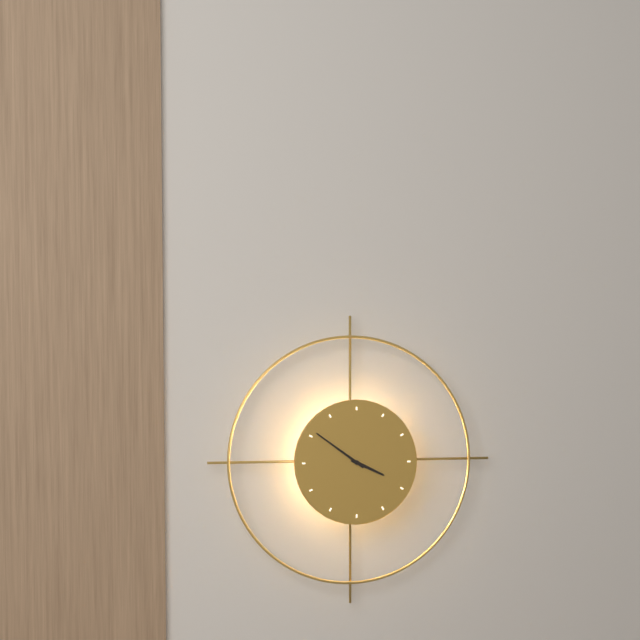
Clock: 3:51
